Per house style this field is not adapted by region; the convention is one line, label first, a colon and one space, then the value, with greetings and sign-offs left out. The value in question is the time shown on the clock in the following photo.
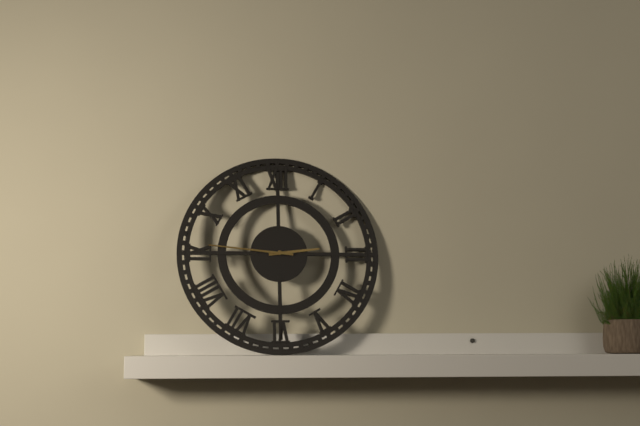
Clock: 2:46
